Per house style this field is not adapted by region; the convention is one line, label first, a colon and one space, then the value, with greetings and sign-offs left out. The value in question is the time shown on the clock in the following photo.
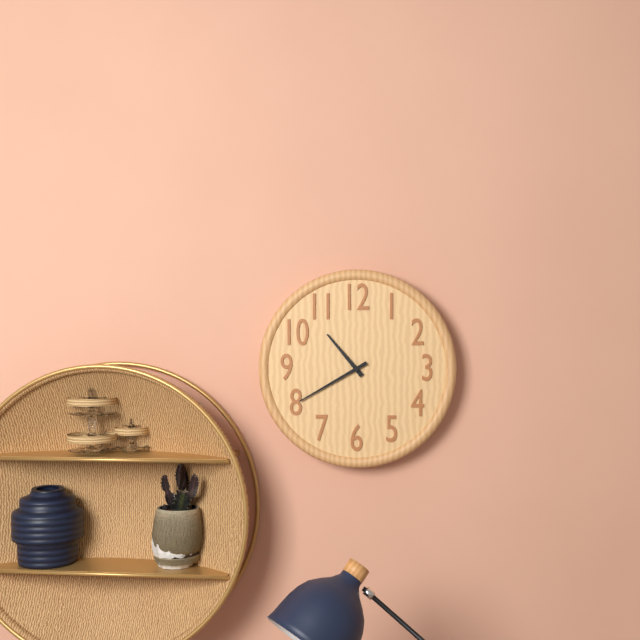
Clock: 10:40
